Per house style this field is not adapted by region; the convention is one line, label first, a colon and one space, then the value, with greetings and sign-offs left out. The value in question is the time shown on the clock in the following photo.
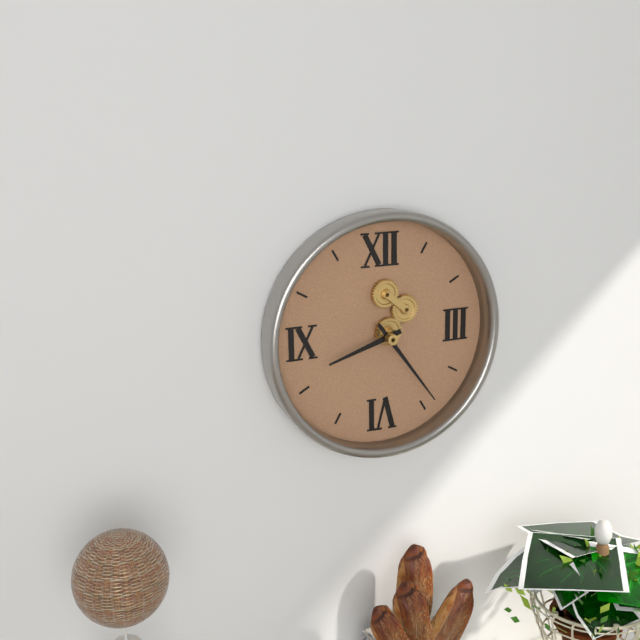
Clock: 8:24
